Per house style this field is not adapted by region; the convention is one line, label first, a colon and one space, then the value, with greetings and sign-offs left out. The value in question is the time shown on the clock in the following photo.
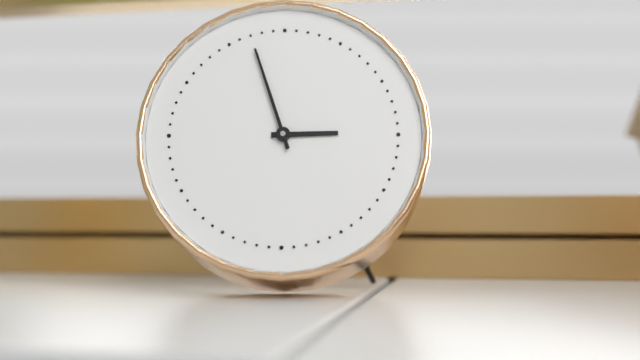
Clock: 2:57
